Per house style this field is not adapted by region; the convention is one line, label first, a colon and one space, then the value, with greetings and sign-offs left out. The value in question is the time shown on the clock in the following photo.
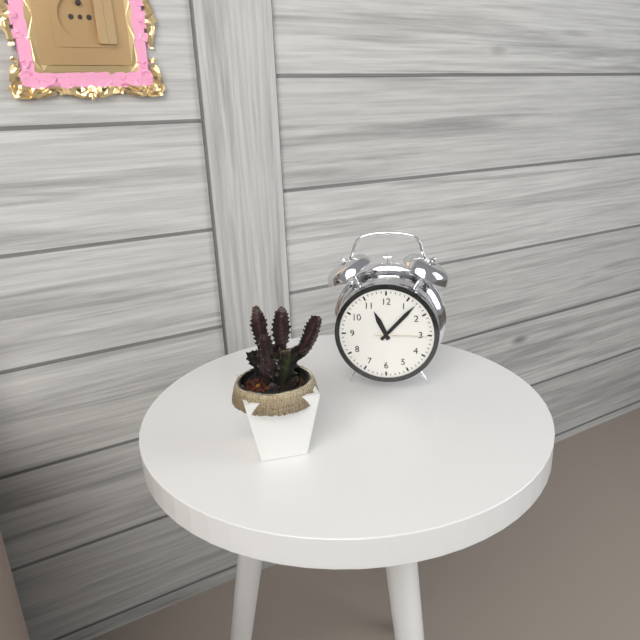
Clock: 11:07:15
